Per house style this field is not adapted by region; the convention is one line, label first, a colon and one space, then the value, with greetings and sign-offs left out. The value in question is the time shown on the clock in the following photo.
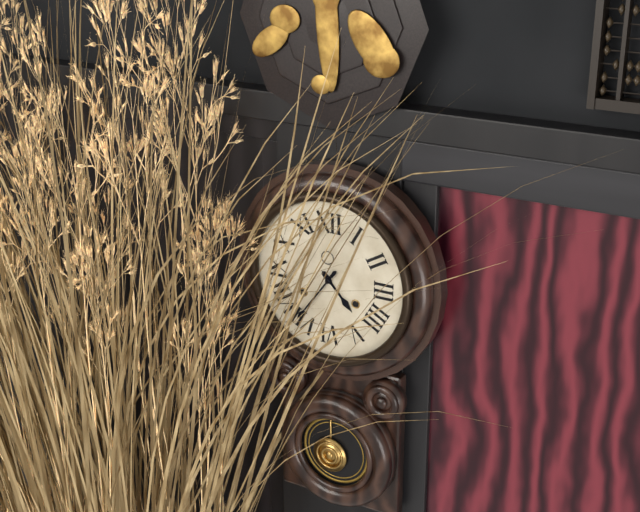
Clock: 4:36
